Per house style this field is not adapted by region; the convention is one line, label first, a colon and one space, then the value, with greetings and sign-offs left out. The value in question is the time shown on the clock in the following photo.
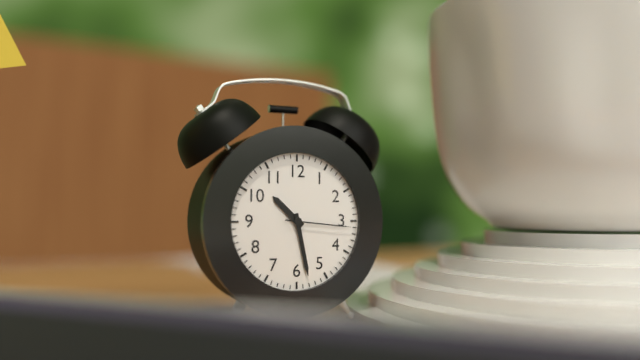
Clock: 10:28:16
